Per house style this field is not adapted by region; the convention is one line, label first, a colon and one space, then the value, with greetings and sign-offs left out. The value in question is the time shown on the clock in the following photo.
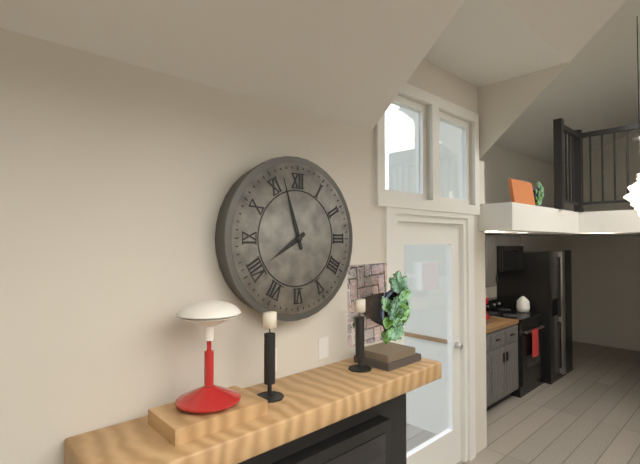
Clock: 7:57
